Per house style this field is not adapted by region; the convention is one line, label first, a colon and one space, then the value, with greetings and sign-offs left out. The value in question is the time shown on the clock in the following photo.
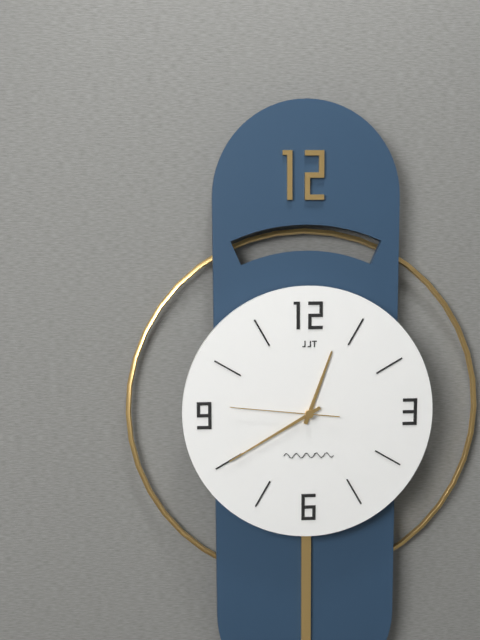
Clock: 12:40:46
